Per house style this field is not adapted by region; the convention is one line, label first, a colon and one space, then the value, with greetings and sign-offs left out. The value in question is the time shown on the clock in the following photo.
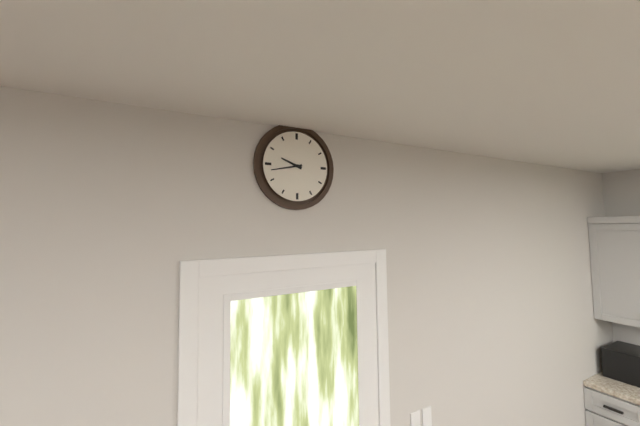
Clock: 9:43
